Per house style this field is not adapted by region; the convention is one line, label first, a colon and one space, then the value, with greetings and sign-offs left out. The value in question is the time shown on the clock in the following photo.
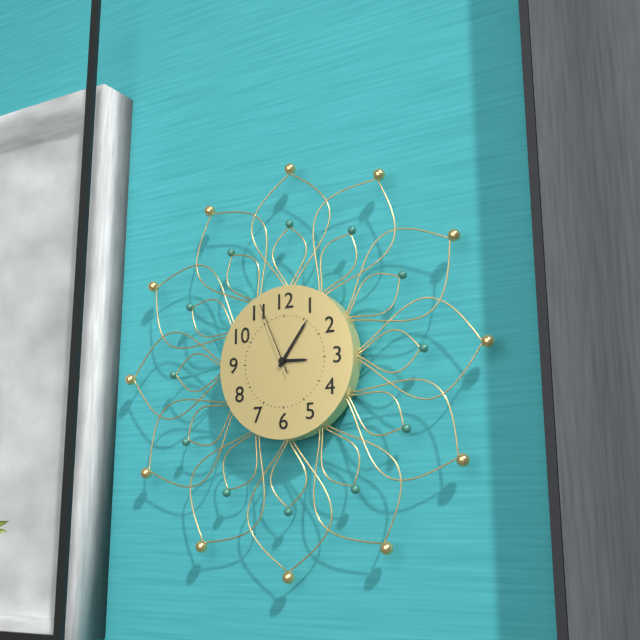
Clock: 3:06:56
